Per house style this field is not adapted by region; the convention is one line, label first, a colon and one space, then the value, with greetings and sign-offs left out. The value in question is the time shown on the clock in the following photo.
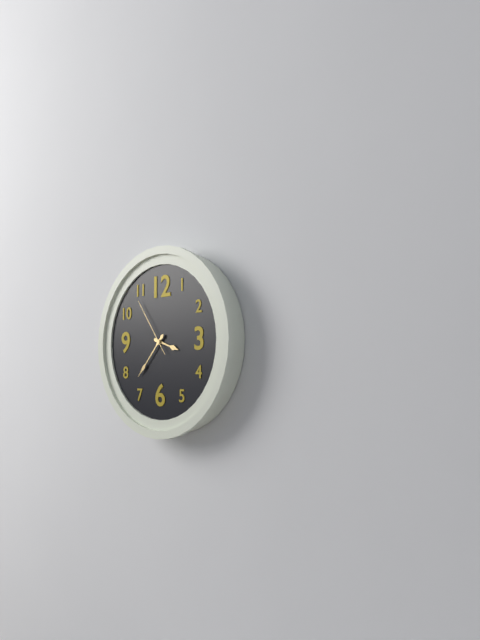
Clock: 3:37:54
